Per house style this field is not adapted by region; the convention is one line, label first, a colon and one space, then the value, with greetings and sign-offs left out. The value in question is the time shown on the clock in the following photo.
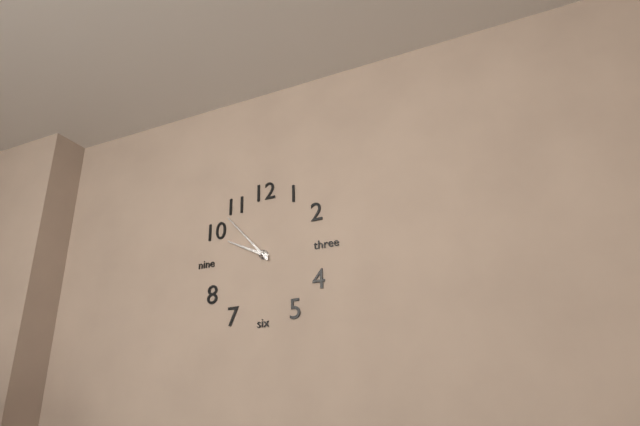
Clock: 9:53
